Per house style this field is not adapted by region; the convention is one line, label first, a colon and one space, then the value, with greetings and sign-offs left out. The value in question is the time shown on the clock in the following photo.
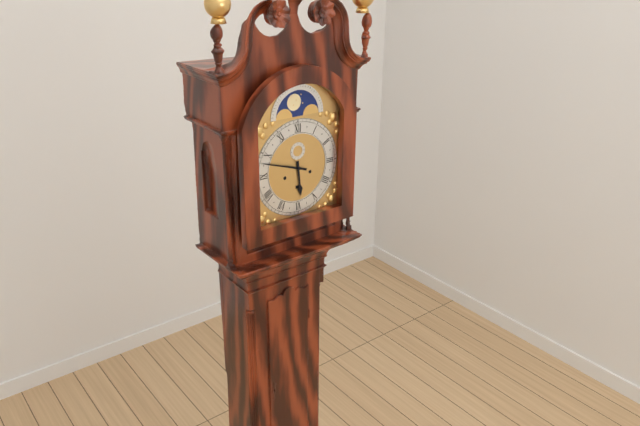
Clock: 5:48
